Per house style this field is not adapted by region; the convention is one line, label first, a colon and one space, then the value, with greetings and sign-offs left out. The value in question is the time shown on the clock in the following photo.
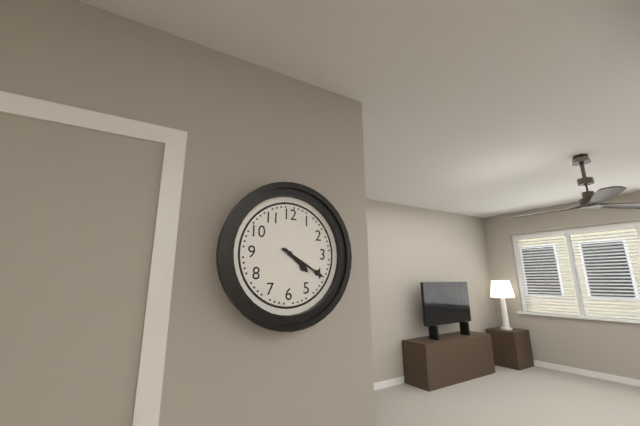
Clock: 4:20
